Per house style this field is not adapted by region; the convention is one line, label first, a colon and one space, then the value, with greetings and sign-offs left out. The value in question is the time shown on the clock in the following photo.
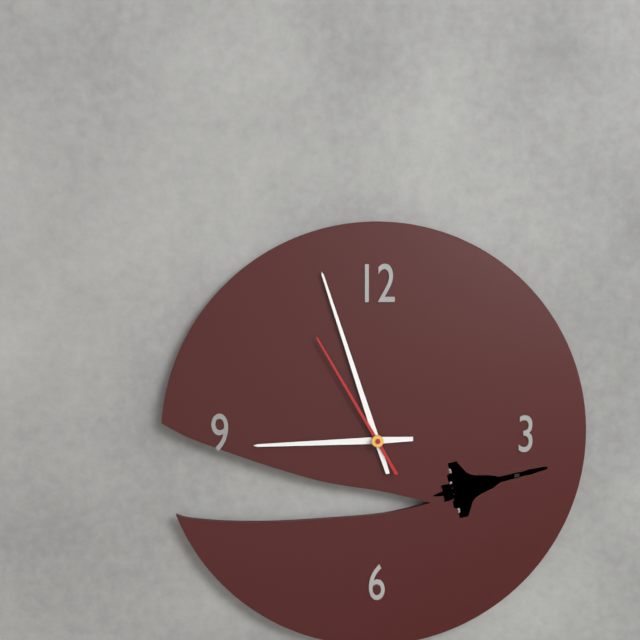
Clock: 8:57:55
